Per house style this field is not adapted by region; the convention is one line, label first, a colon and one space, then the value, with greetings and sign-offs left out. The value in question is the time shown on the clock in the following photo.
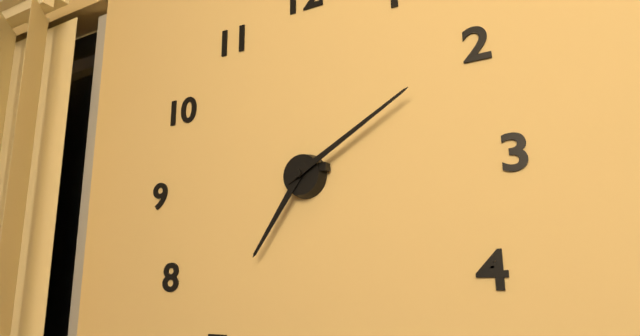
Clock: 7:10
